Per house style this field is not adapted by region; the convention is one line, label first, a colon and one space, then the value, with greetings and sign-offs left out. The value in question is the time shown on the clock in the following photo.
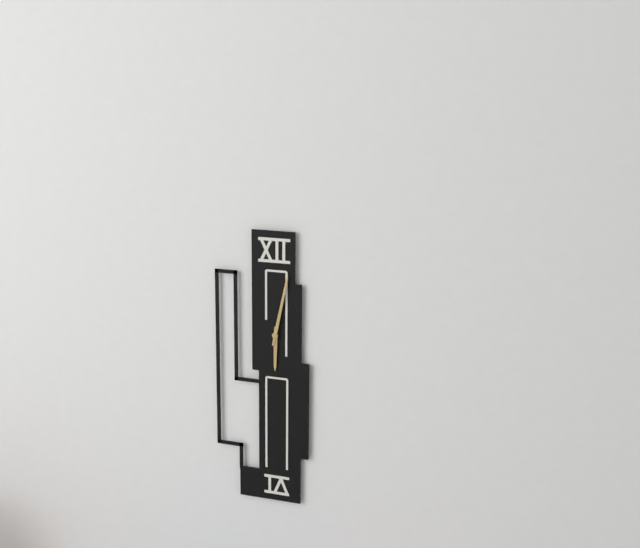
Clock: 6:02
